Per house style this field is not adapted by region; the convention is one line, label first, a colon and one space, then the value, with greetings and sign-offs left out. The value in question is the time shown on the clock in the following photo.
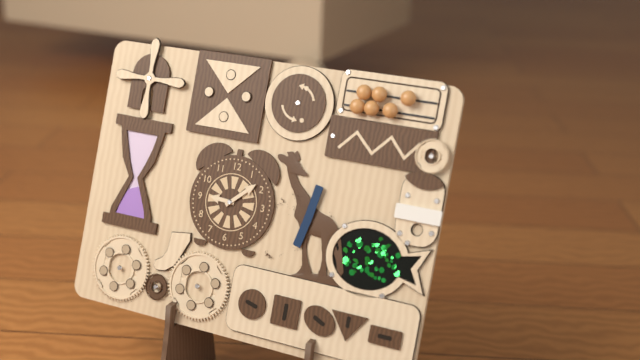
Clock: 9:08
